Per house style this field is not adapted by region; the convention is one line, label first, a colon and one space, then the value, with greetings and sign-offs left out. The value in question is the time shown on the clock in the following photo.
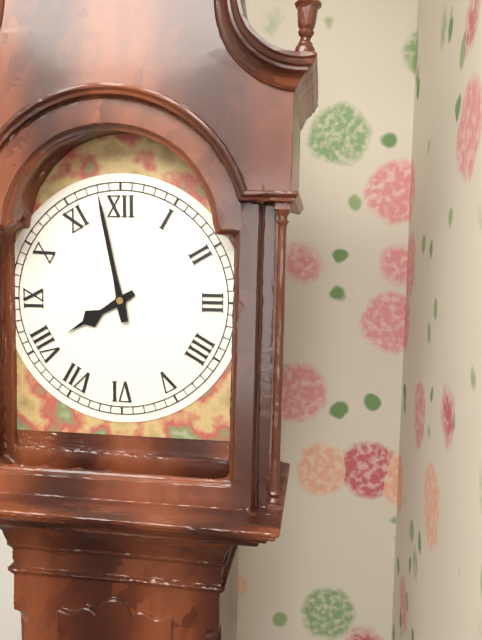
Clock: 7:58
